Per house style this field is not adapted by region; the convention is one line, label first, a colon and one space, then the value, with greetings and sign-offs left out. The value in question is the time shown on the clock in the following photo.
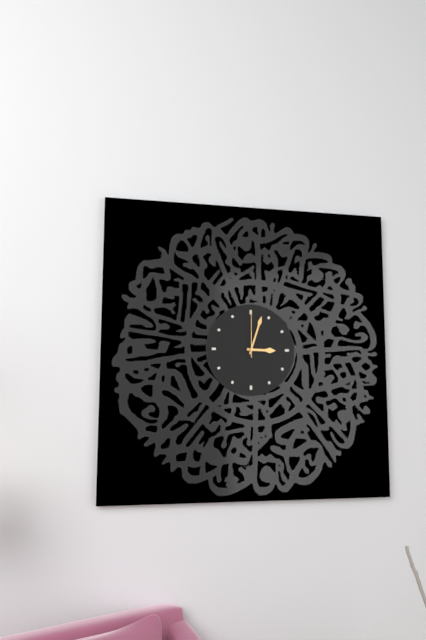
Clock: 3:03
